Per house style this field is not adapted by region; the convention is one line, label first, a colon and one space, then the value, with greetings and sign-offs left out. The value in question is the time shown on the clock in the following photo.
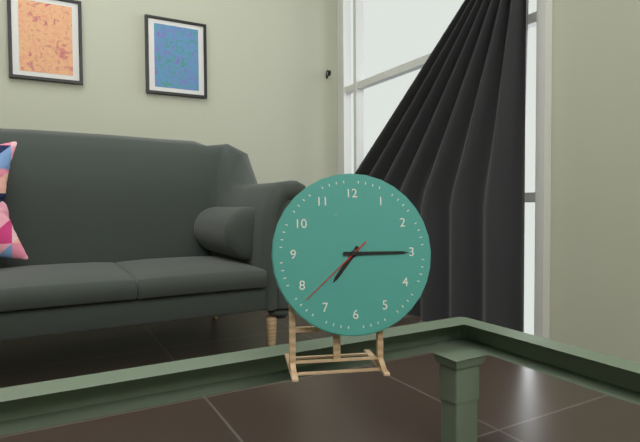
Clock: 7:15:38
